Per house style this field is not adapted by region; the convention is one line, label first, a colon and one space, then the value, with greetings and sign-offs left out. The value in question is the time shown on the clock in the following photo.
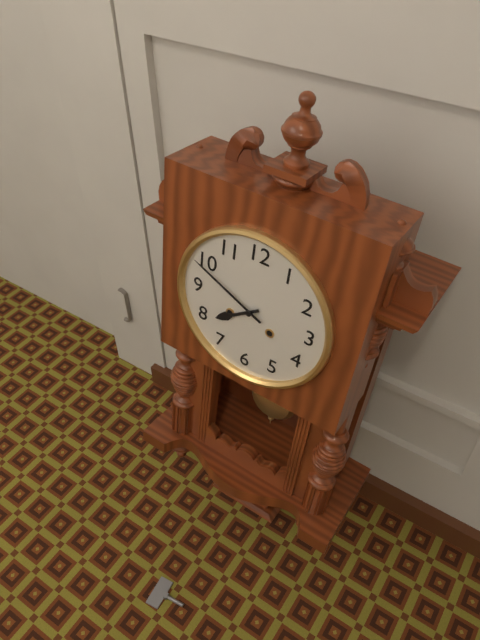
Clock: 7:49
